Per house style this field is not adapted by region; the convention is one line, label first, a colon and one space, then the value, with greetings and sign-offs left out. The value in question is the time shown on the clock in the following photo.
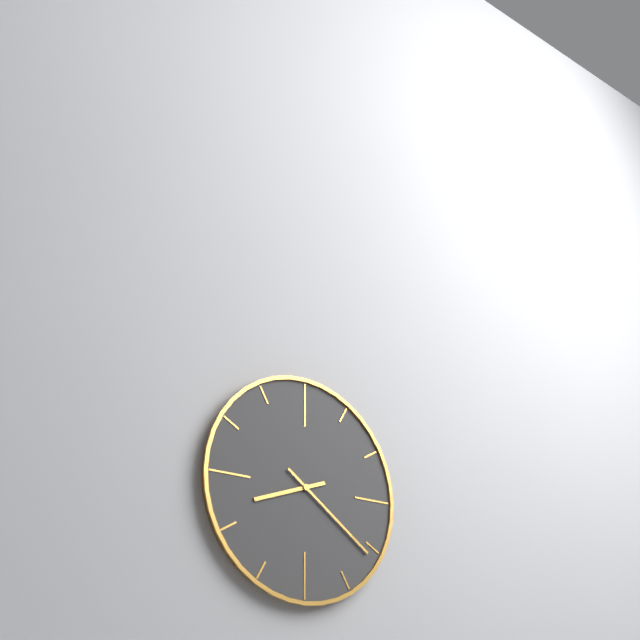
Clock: 8:21
